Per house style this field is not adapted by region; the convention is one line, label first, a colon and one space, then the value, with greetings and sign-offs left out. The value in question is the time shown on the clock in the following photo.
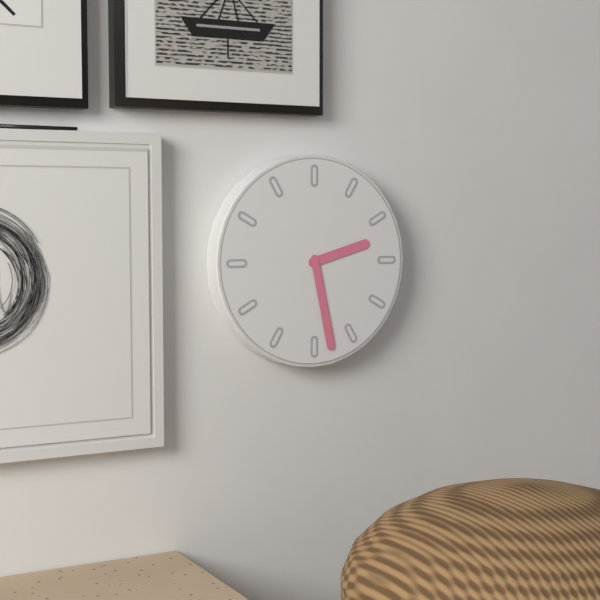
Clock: 2:28
